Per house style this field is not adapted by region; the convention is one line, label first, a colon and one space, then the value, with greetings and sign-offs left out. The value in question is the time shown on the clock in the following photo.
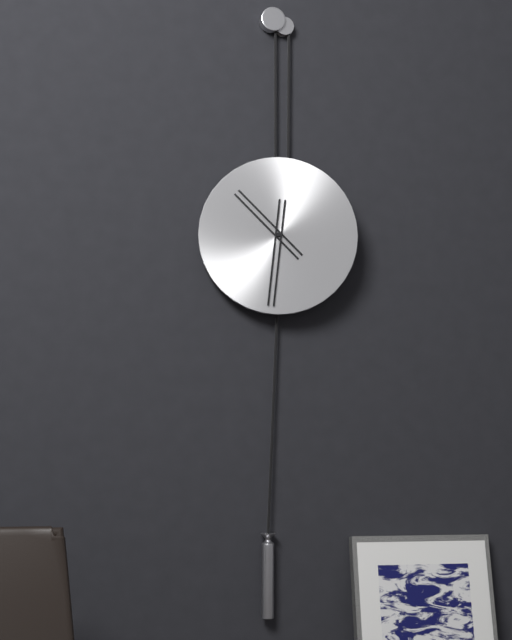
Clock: 10:31
